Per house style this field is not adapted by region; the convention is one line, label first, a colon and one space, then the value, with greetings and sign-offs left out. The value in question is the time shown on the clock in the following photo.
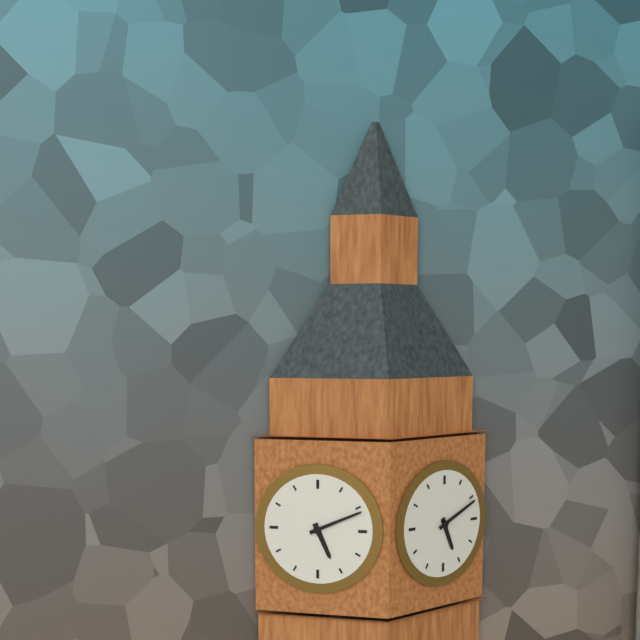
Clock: 5:11
